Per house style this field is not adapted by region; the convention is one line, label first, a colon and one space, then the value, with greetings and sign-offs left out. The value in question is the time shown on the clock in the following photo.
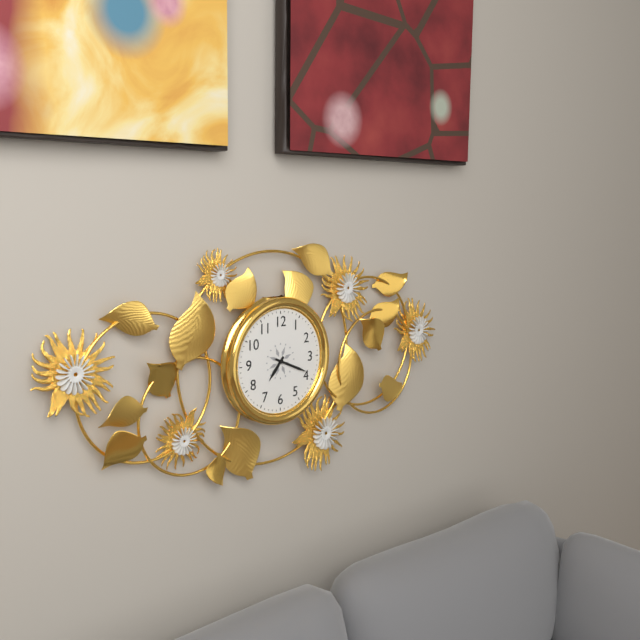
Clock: 7:19
